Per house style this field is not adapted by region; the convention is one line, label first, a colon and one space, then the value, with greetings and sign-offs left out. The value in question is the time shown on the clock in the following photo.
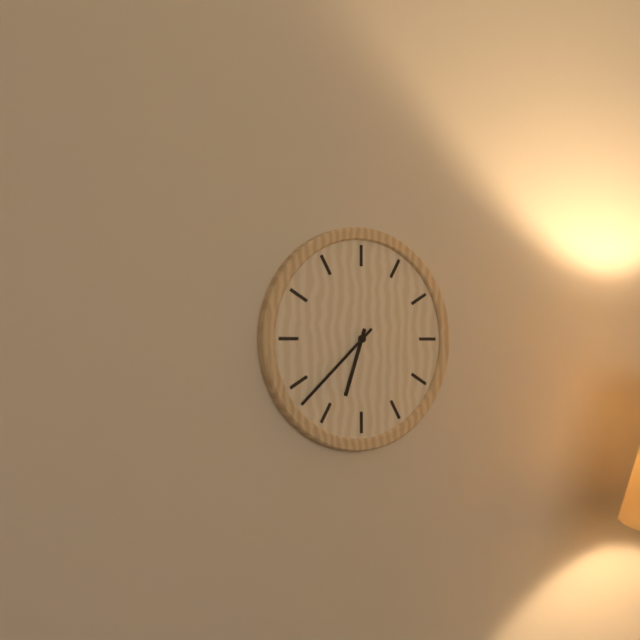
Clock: 6:38
